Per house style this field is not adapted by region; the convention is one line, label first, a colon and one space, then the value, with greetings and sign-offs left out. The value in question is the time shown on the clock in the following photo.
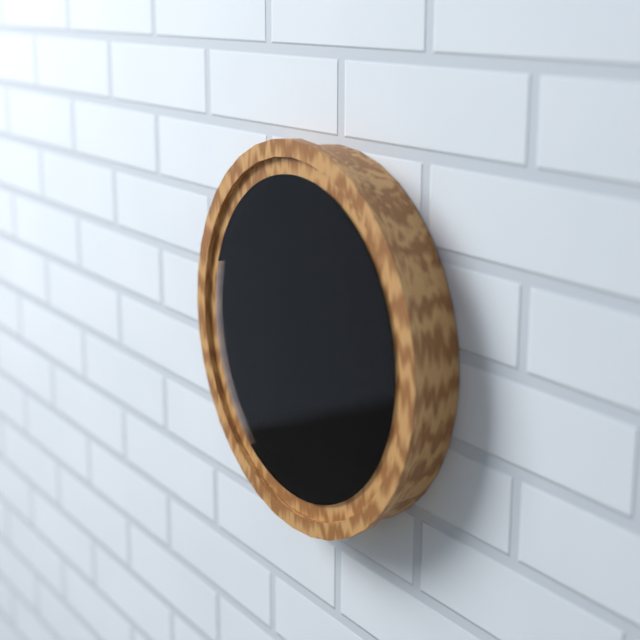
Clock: 5:00:09
